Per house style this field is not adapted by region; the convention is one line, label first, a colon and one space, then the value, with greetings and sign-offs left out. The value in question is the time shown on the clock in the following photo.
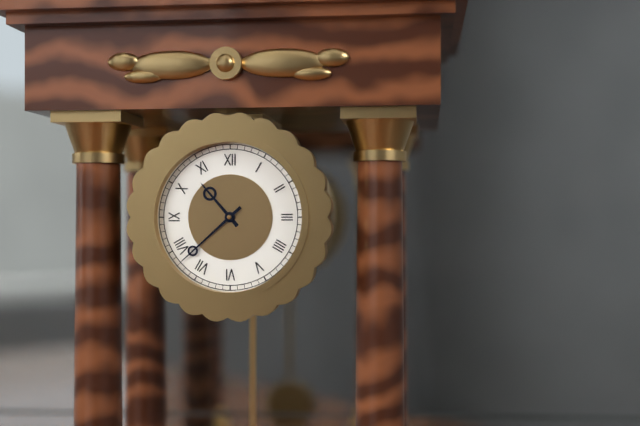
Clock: 10:38
